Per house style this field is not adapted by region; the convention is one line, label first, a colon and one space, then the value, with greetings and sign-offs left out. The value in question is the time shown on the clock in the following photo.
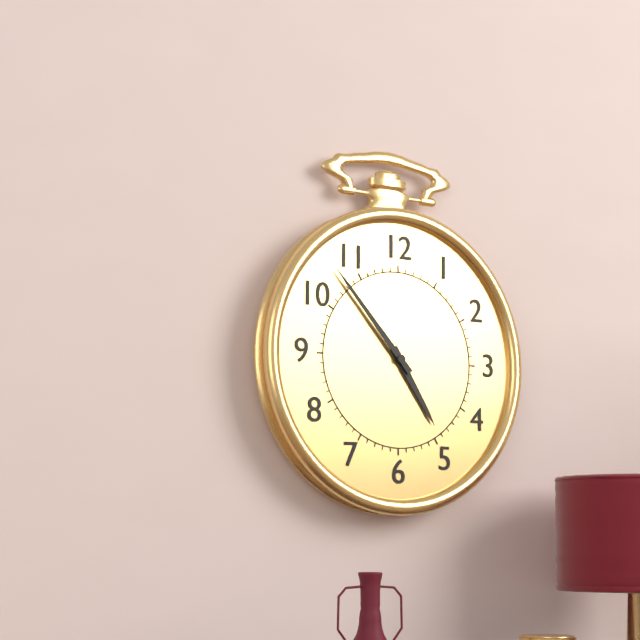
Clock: 4:53
